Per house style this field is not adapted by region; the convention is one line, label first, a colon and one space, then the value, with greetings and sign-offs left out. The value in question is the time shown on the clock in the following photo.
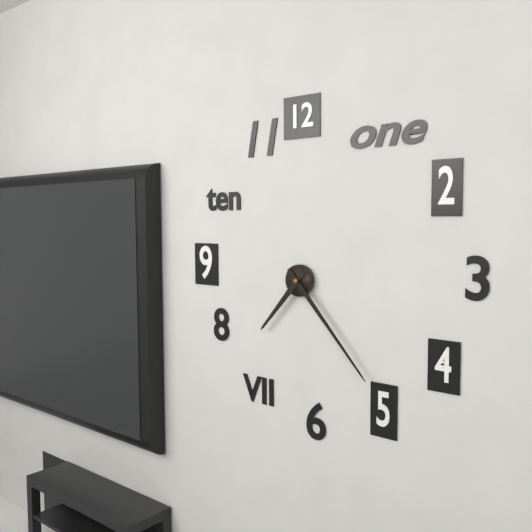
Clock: 7:23
